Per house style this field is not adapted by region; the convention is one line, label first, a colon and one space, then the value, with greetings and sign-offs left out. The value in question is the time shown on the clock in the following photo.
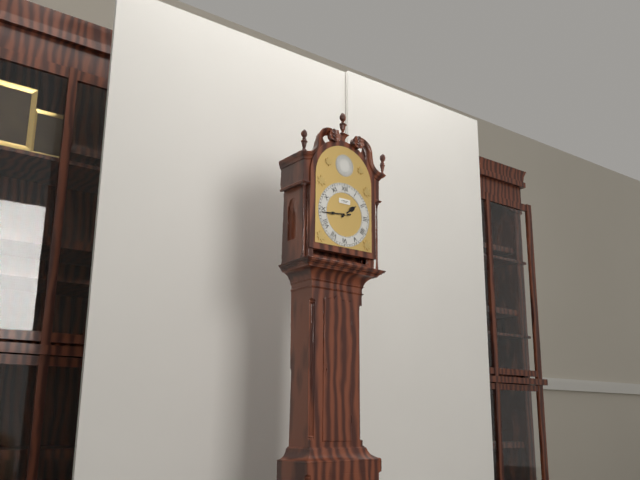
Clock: 1:44
